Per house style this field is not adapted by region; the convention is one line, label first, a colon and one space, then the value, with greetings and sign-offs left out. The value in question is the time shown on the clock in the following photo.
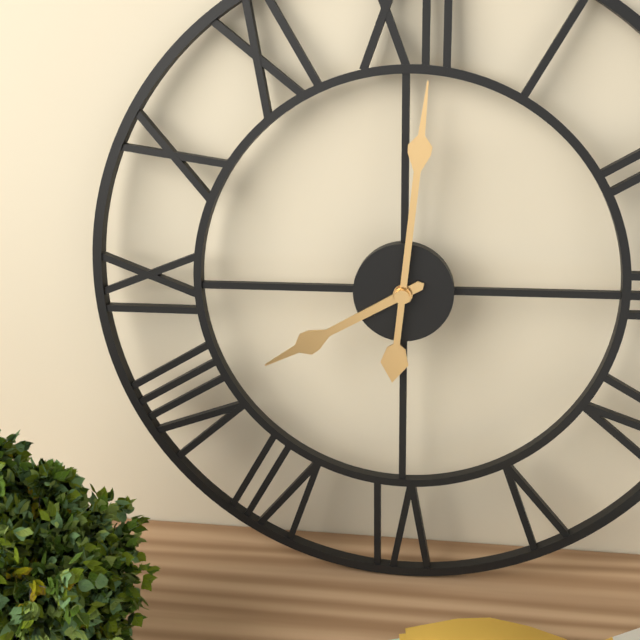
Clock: 8:01
